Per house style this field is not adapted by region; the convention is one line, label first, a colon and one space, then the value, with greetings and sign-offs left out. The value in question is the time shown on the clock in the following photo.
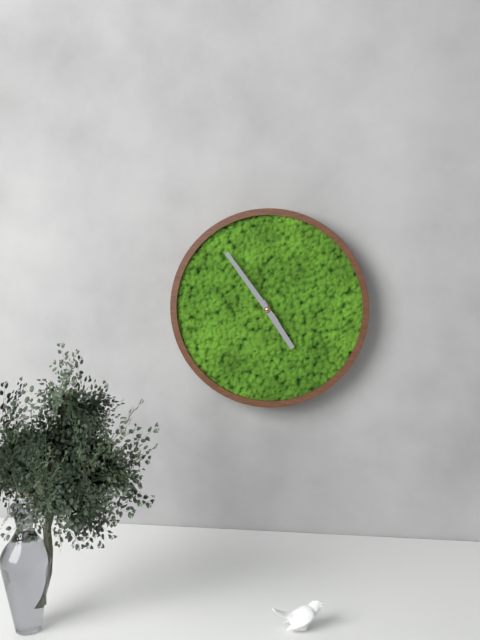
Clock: 4:54
